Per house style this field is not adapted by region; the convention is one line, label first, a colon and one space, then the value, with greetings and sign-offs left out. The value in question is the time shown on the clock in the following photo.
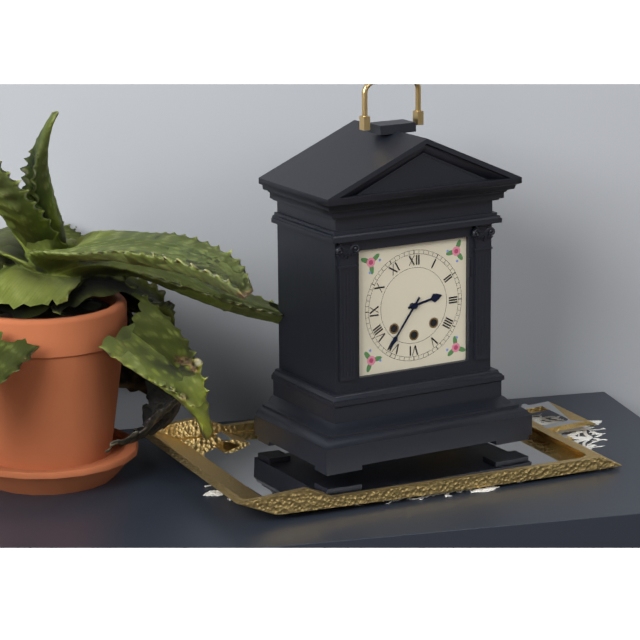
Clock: 2:36
